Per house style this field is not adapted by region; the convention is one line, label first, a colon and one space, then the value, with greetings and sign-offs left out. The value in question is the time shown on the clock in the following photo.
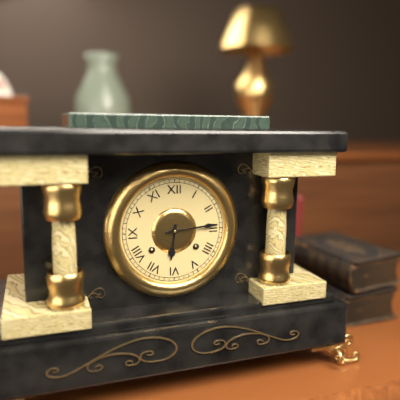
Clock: 6:14
